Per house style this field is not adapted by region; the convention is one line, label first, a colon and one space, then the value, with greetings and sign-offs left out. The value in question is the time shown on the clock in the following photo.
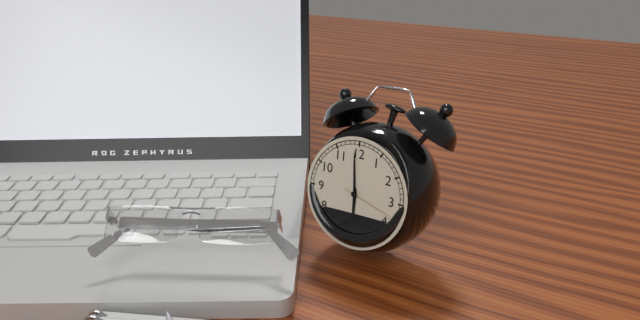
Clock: 5:59:18
